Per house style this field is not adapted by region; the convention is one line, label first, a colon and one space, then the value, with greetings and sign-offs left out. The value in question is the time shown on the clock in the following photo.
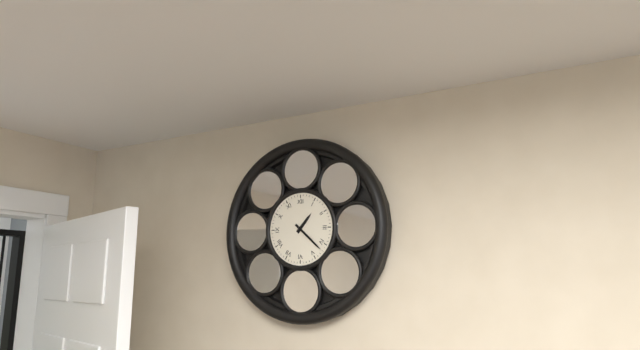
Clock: 1:22
